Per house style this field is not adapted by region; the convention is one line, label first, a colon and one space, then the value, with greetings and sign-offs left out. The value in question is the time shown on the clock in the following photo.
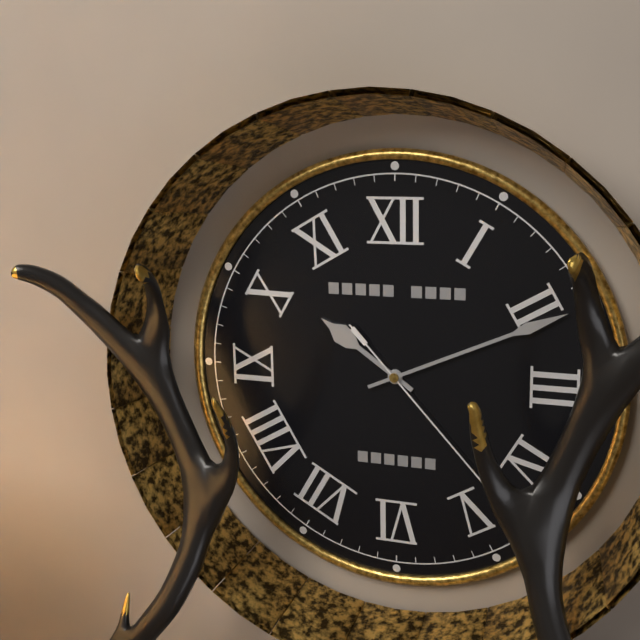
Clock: 10:11:23
